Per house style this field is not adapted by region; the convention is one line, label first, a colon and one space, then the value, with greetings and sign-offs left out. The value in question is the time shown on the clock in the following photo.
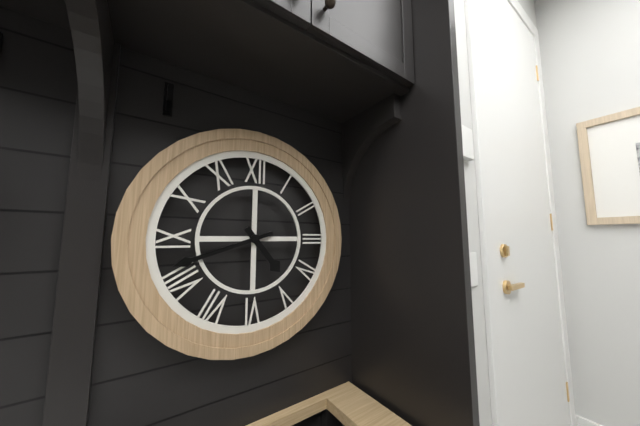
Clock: 4:42
